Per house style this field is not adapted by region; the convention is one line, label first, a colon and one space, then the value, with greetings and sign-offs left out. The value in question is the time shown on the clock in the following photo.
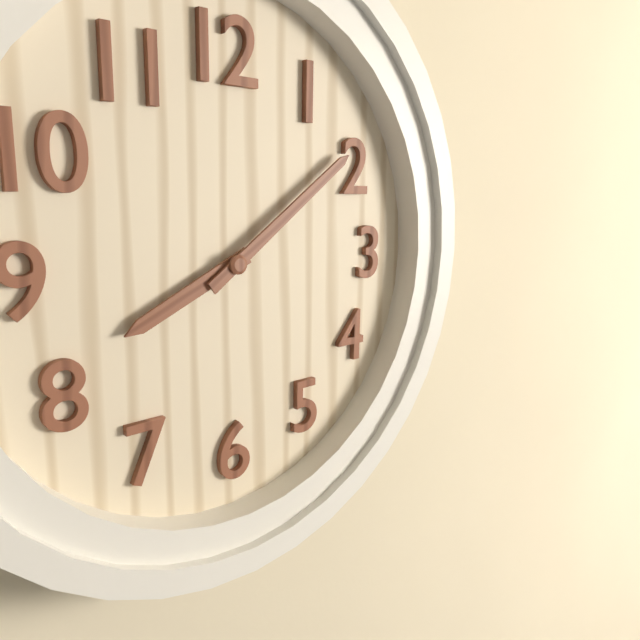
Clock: 8:09
